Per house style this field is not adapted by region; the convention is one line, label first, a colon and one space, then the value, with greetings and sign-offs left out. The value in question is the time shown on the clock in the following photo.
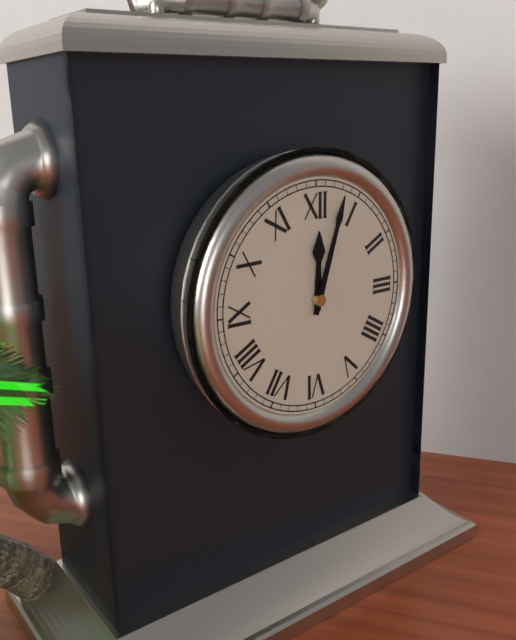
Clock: 12:03
